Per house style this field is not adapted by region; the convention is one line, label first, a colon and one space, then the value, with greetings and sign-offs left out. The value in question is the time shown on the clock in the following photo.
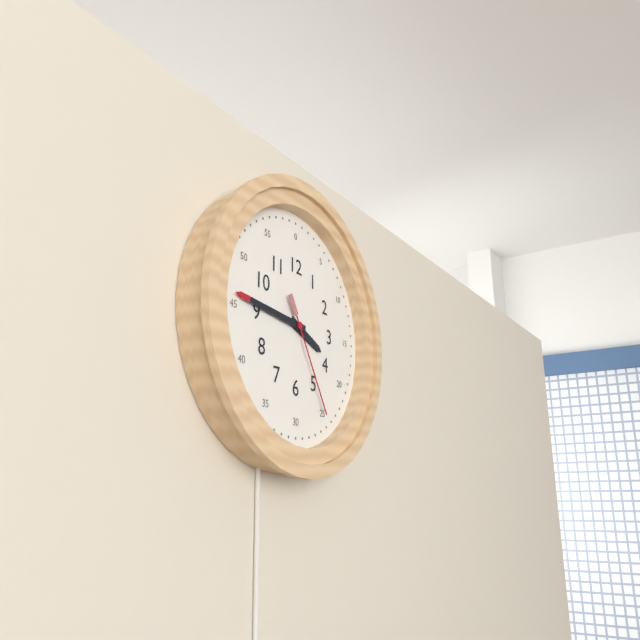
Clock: 3:46:25
